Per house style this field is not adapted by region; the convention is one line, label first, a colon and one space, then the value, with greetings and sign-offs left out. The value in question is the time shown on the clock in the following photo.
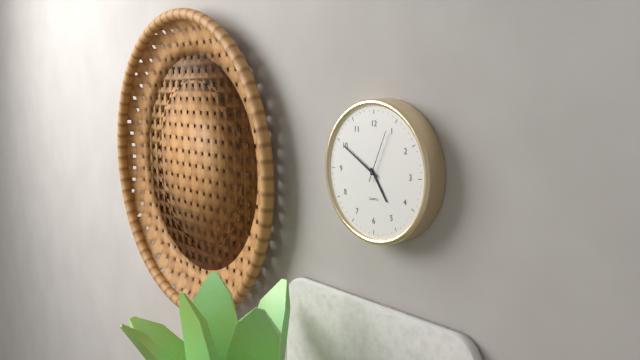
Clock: 4:50:04
